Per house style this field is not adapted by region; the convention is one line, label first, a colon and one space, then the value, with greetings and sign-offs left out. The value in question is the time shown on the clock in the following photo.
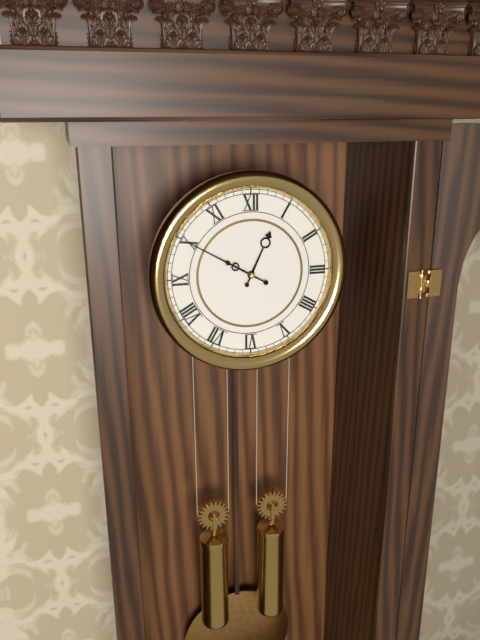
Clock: 12:50
